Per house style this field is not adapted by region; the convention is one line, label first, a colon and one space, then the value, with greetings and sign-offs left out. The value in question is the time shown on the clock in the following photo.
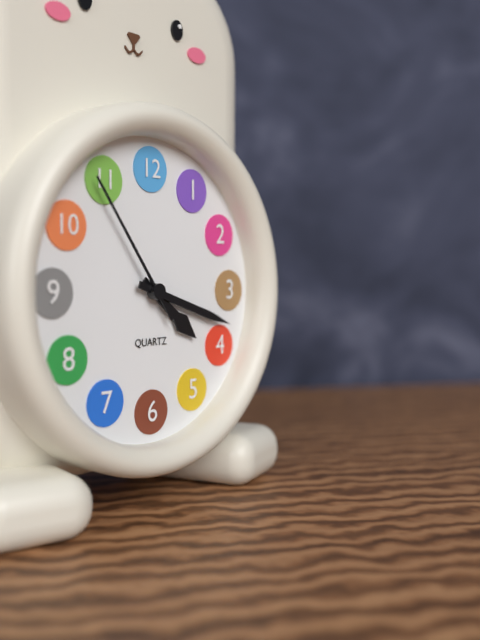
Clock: 4:18:54
